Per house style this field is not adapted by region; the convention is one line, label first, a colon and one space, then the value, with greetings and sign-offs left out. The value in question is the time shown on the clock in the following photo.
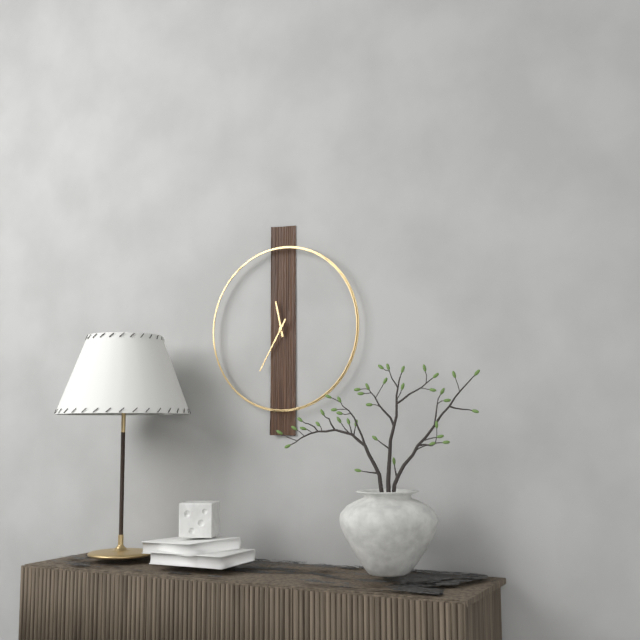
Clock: 11:35
